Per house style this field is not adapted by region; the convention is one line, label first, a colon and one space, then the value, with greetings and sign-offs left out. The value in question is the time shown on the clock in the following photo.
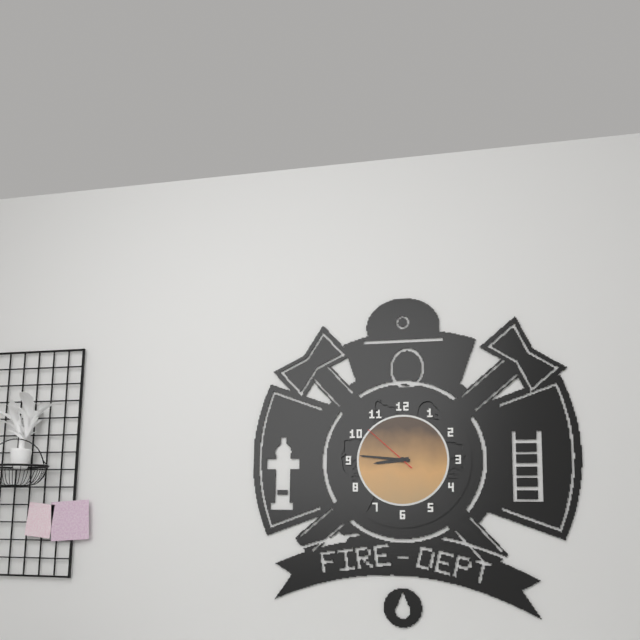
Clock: 8:46:52
